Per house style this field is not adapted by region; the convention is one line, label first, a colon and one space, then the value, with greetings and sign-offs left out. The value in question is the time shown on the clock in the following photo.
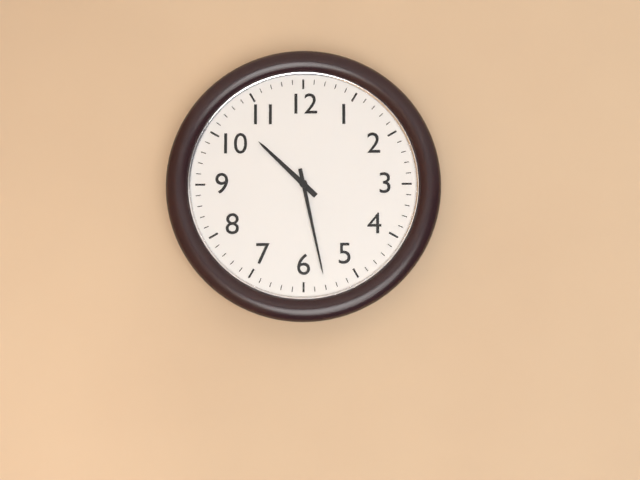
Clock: 10:28
